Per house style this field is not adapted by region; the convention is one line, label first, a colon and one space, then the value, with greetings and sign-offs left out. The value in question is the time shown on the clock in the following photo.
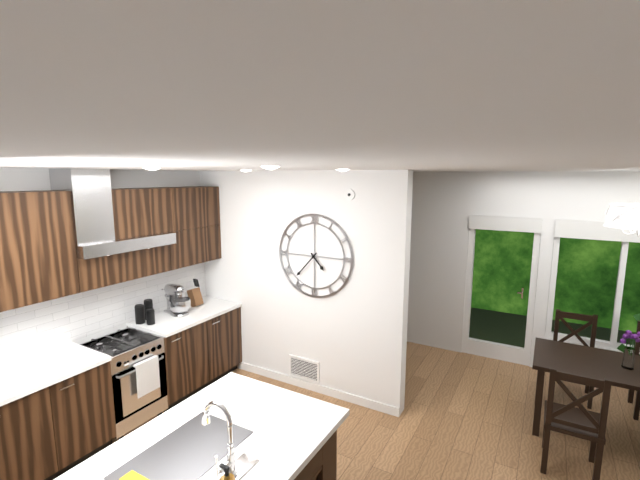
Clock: 4:37
